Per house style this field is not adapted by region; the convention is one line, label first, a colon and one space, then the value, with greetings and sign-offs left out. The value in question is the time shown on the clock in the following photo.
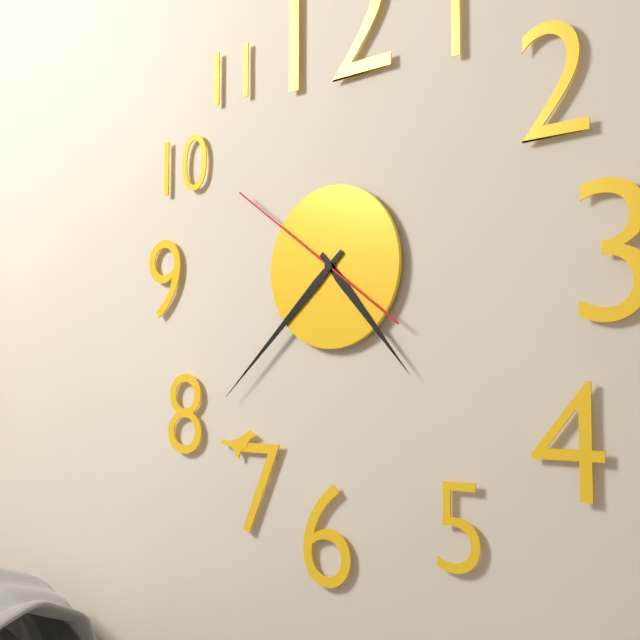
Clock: 4:38:51
